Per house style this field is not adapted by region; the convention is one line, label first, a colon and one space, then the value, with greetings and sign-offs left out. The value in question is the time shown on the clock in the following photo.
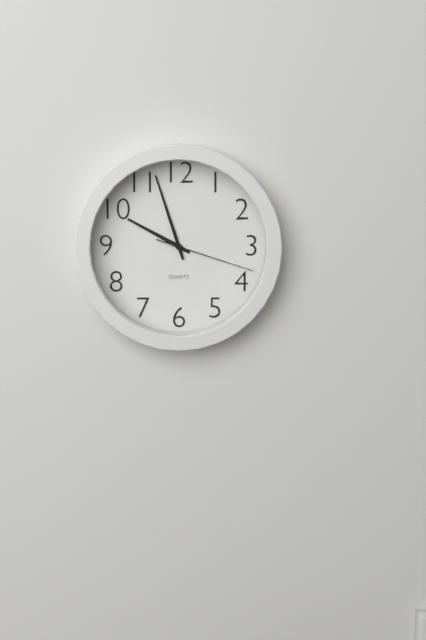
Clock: 9:57:18
